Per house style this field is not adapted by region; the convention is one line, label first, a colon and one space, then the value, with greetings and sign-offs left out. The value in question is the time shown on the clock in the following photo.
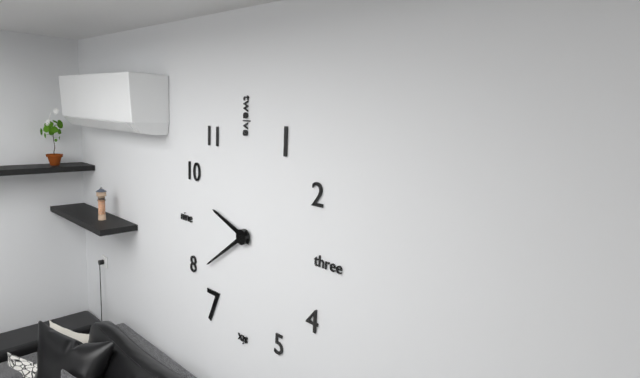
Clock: 9:39
